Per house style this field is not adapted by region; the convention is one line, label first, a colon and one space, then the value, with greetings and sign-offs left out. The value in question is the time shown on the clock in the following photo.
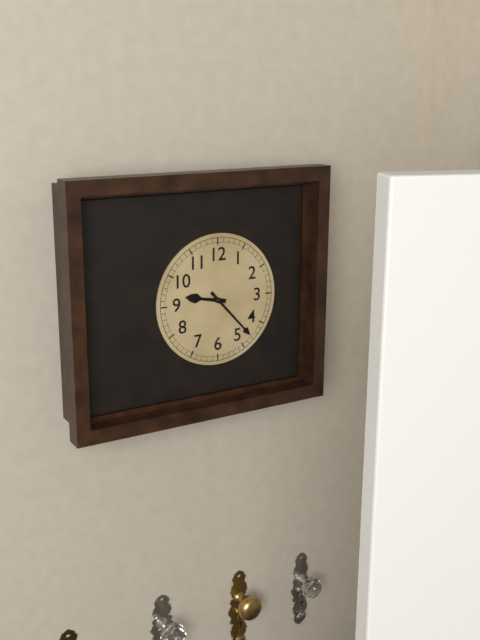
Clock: 9:23
